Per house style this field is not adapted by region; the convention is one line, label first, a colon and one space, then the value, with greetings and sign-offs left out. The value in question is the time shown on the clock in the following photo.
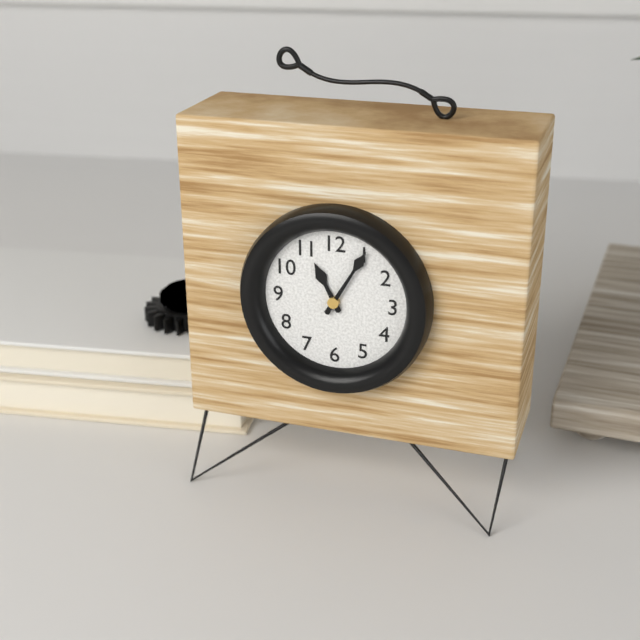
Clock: 11:05
